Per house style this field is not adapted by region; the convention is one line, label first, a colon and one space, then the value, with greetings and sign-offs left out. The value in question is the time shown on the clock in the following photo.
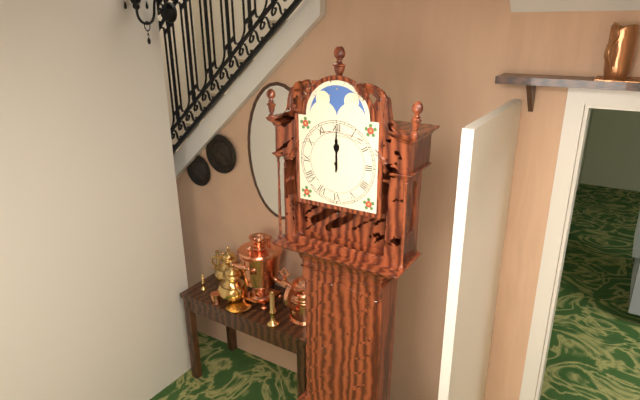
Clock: 12:00
